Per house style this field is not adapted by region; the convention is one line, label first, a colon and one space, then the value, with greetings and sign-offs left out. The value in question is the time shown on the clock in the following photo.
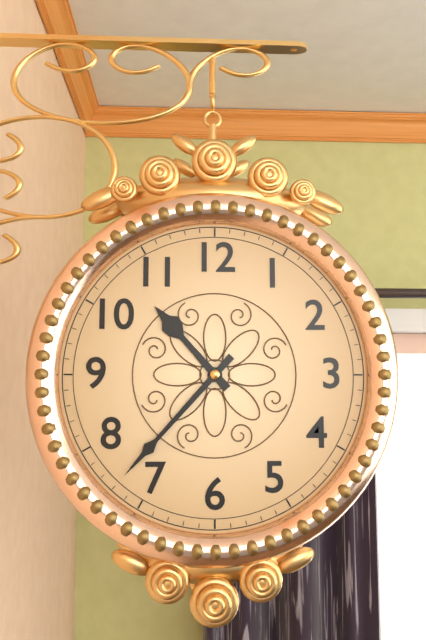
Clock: 10:37
